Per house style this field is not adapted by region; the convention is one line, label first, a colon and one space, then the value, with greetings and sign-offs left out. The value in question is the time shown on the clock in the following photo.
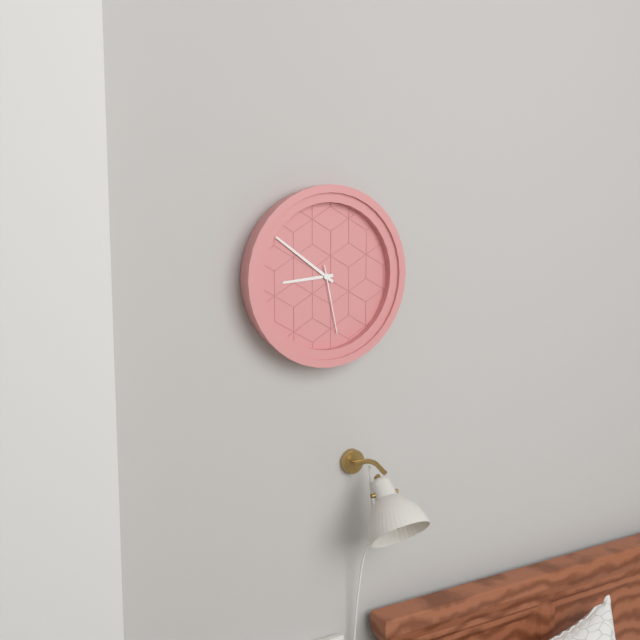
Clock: 8:51:28
